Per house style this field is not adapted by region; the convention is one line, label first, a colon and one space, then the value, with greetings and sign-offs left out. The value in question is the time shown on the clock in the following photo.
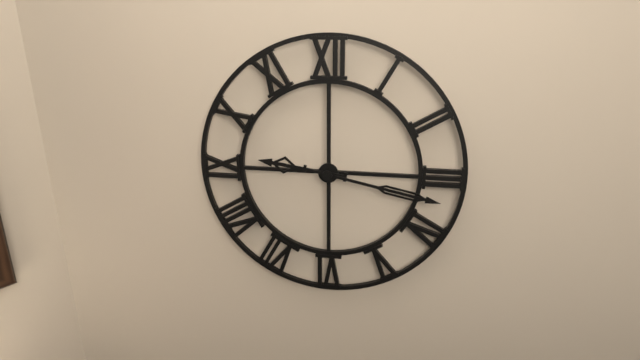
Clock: 9:17
